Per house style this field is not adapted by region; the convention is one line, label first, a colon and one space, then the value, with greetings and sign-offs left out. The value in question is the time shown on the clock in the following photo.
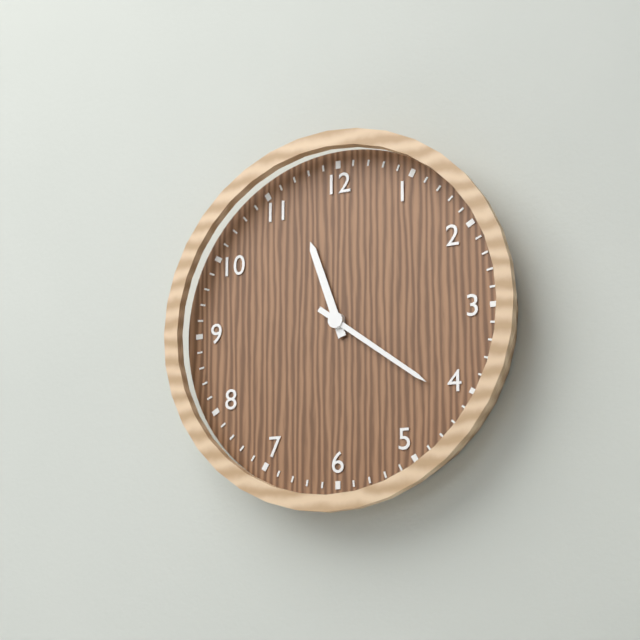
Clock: 11:21
